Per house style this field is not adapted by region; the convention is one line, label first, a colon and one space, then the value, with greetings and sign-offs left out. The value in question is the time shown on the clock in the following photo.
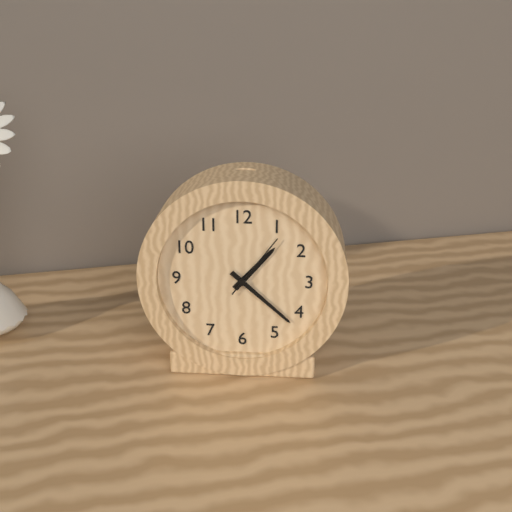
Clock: 1:22:06
